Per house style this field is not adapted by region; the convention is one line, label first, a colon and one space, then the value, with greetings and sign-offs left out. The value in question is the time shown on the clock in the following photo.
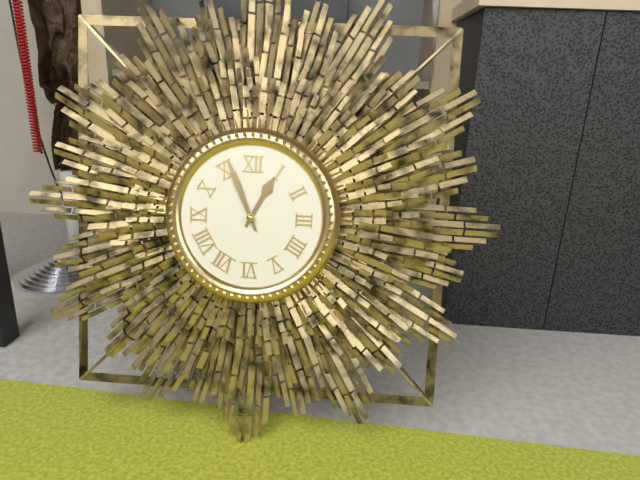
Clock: 12:56
